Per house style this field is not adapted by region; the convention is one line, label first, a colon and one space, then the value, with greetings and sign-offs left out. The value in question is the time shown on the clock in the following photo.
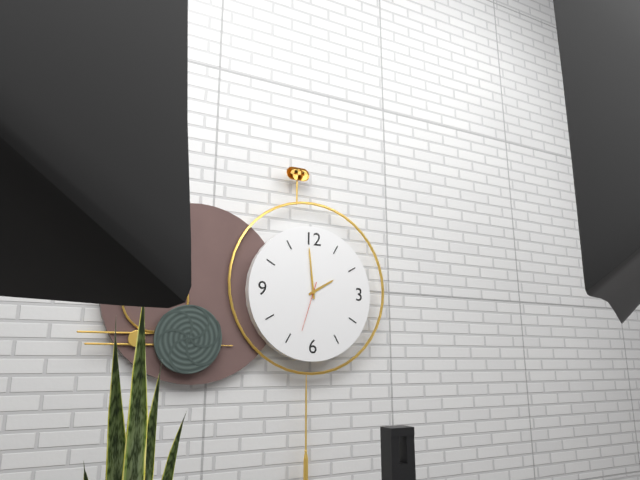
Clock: 1:59:33
